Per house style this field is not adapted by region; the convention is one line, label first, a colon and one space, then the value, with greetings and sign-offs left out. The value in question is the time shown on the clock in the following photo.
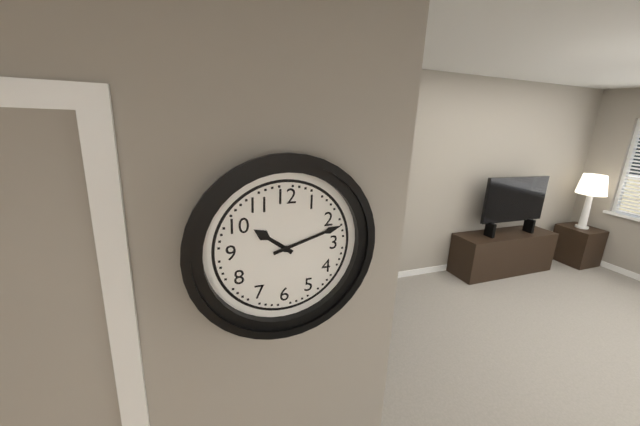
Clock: 10:12
